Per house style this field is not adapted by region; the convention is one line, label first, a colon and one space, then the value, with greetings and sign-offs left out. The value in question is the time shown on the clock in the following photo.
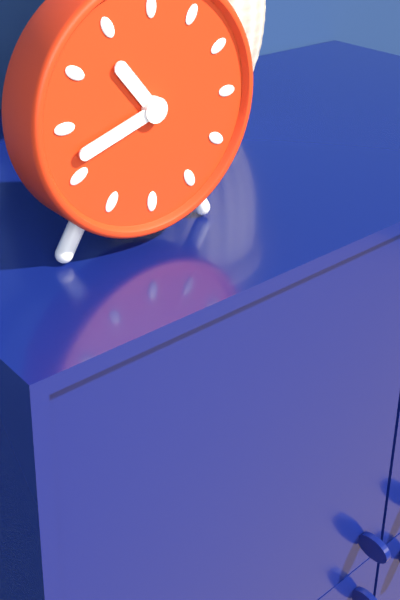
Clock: 10:42
